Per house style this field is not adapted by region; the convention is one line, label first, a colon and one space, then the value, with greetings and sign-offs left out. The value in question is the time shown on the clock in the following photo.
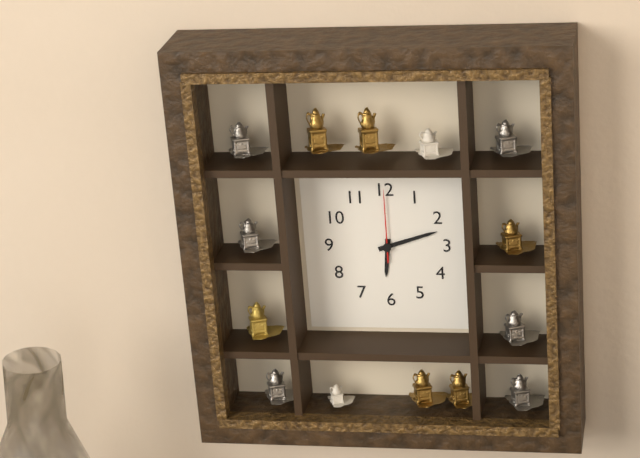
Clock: 6:12:00
